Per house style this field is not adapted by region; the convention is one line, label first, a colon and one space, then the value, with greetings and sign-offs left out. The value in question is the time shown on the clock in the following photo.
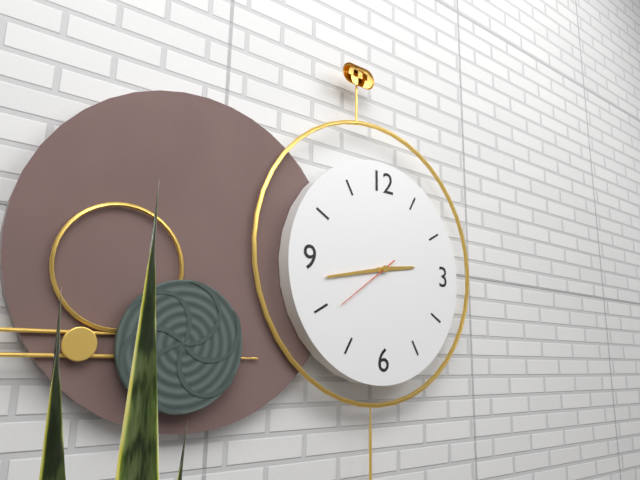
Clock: 2:43:39
